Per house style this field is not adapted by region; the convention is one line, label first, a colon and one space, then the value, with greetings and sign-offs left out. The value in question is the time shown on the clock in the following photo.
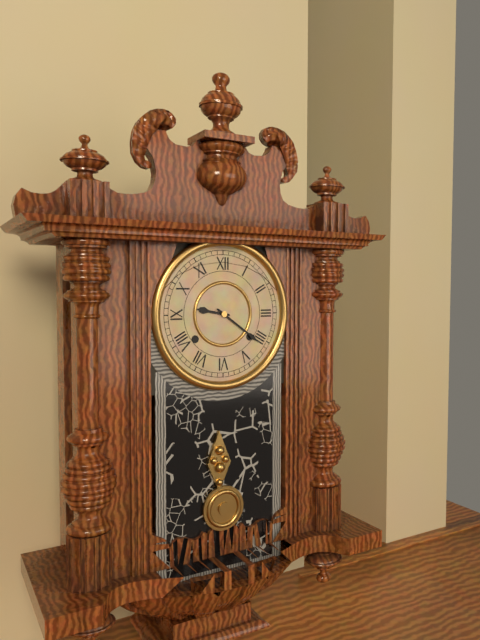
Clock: 9:21
